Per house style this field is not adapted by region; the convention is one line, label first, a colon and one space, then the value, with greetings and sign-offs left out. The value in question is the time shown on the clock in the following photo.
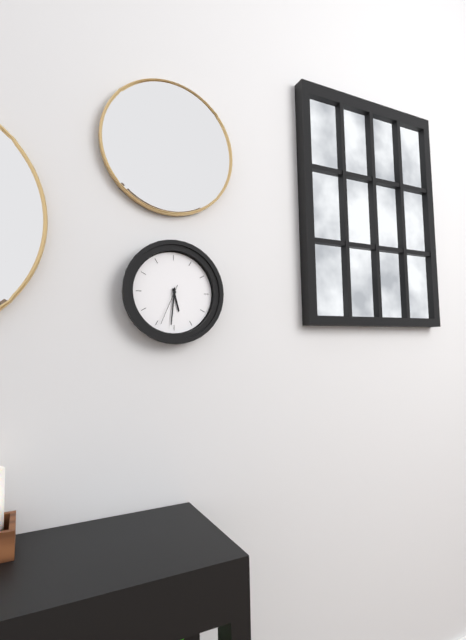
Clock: 5:31
